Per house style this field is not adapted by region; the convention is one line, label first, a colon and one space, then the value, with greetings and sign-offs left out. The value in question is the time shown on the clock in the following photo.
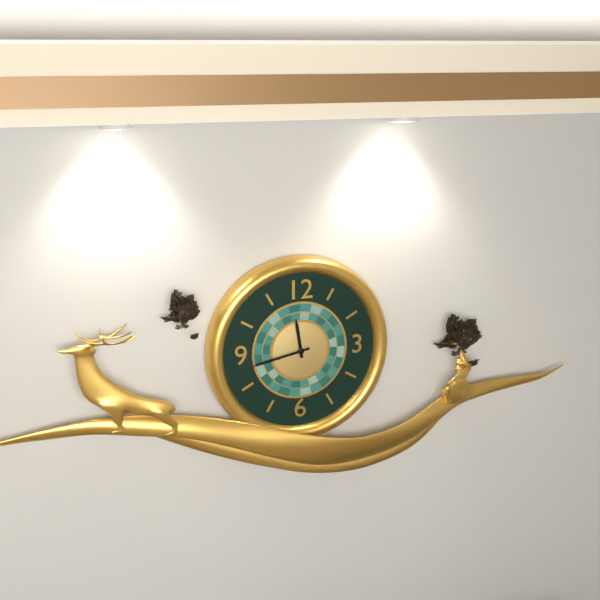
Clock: 11:43
